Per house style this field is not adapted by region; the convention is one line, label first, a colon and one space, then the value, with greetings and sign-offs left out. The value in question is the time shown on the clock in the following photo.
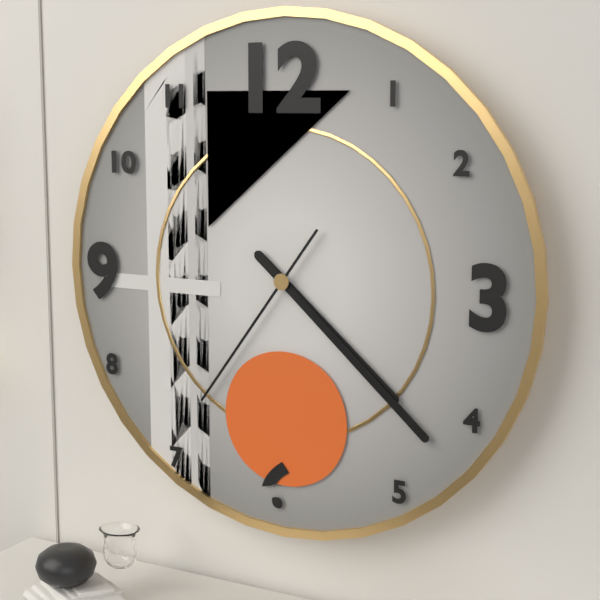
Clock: 4:22:36
